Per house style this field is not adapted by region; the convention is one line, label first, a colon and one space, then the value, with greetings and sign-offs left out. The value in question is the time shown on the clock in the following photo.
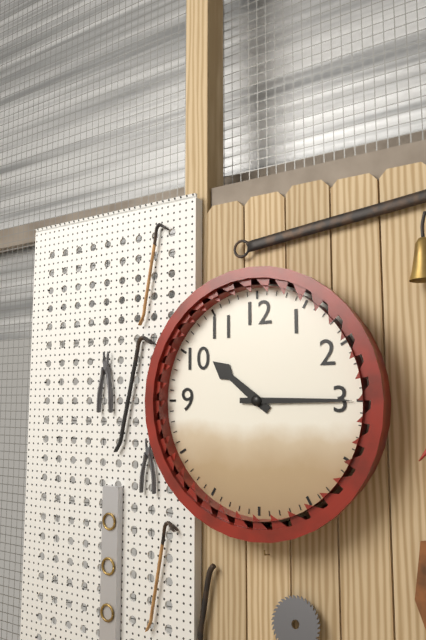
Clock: 10:15
